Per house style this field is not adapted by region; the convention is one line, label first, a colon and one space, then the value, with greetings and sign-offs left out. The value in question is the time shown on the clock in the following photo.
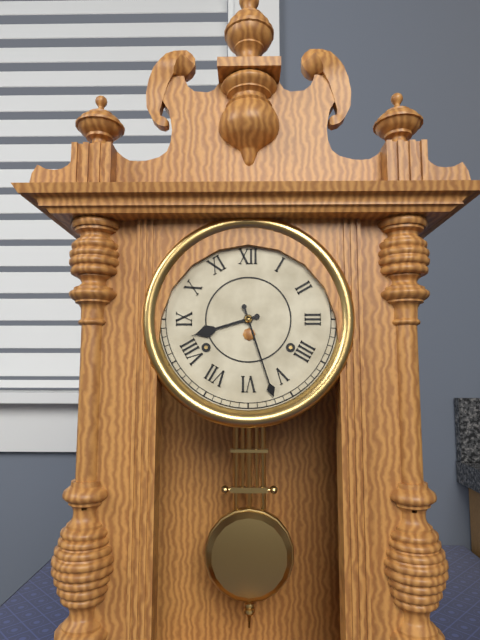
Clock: 8:27
